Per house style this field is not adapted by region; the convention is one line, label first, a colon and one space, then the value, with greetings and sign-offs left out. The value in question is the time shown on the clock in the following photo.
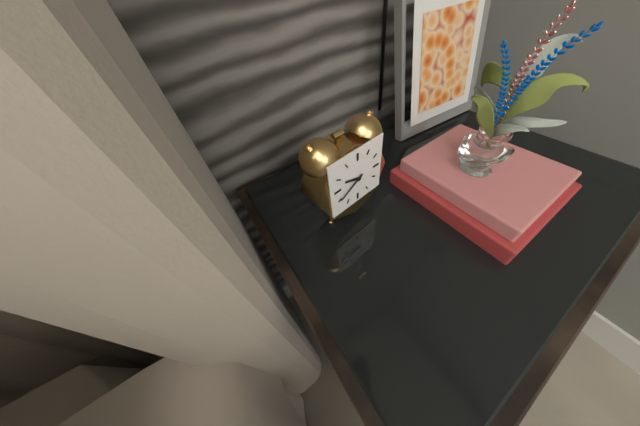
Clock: 9:40
